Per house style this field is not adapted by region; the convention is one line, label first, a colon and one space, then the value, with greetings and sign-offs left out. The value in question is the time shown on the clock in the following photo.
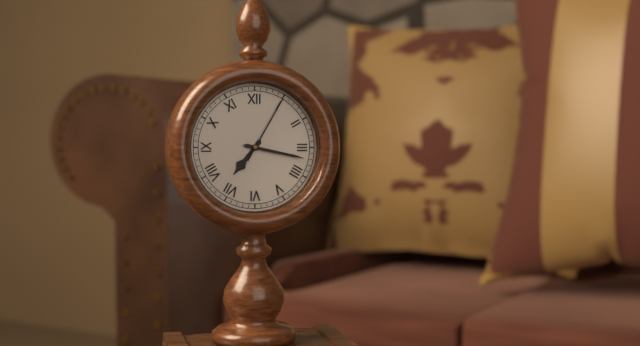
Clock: 7:17:05
